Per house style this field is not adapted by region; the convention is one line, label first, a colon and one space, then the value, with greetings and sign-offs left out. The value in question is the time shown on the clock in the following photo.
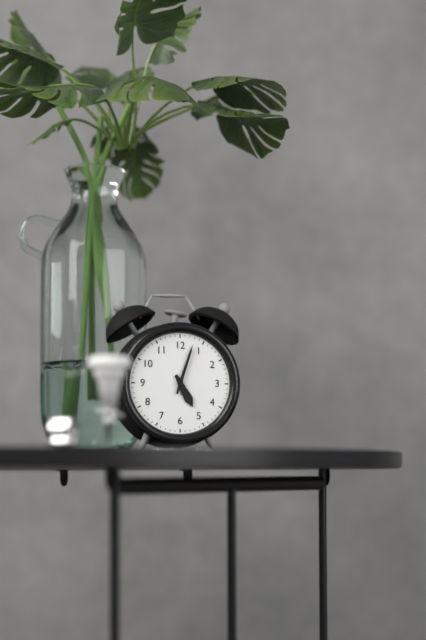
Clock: 5:03
